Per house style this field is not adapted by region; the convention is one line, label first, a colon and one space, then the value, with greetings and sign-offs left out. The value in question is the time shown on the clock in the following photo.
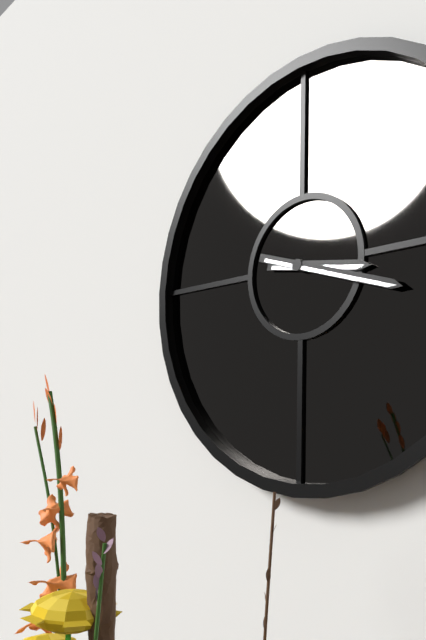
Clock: 3:18
